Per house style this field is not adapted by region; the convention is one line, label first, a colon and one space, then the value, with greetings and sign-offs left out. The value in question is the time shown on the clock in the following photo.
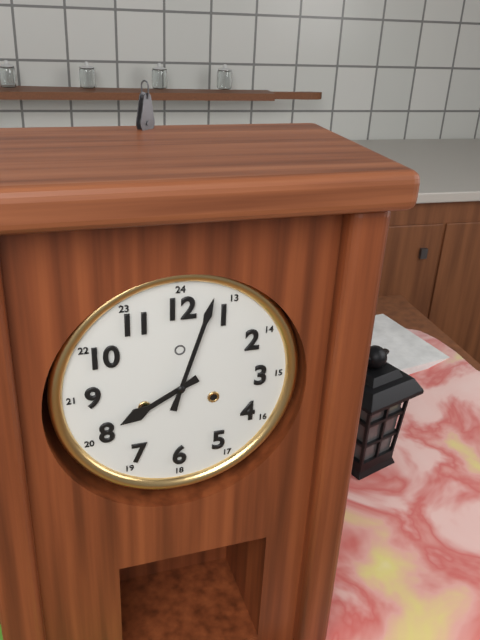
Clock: 8:03
